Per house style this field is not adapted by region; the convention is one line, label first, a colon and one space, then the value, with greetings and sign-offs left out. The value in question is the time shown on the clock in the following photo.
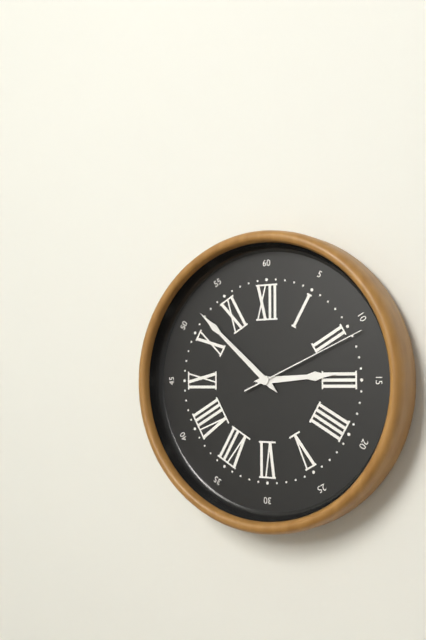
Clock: 2:52:11
